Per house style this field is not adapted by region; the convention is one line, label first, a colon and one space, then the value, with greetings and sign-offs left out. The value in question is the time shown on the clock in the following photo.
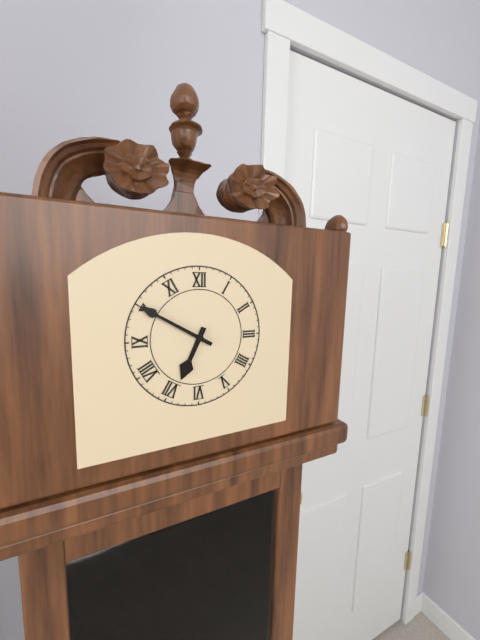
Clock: 6:50
